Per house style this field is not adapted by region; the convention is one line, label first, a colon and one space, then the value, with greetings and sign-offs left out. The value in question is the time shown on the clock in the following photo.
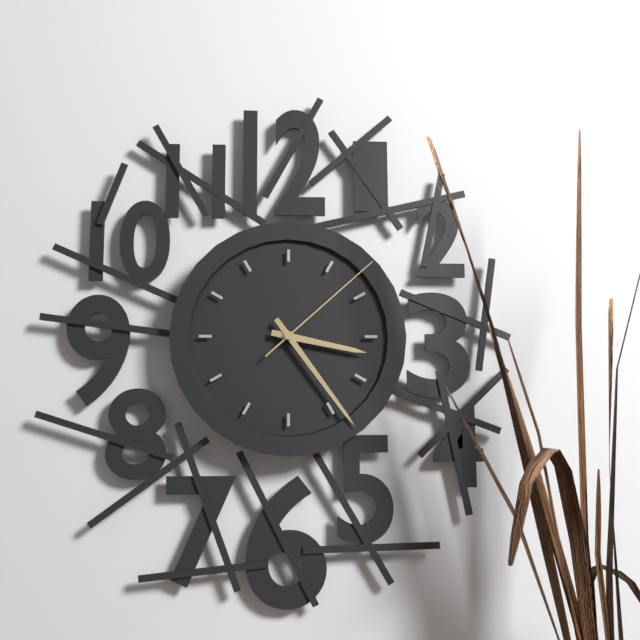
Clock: 3:24:08
